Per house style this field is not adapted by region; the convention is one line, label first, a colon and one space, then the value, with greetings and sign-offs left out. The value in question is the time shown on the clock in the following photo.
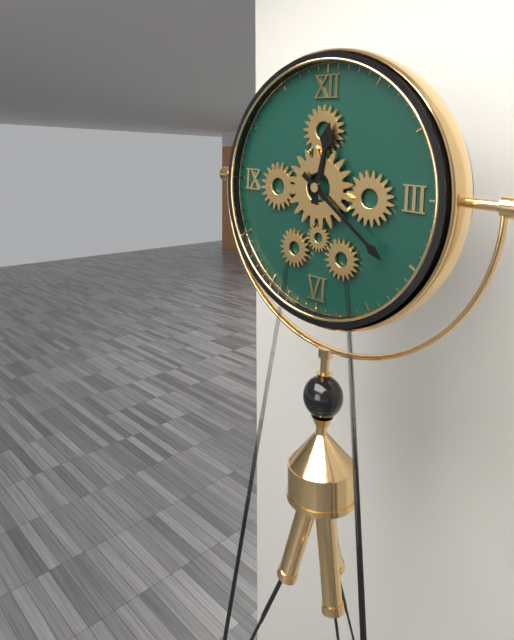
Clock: 12:21
